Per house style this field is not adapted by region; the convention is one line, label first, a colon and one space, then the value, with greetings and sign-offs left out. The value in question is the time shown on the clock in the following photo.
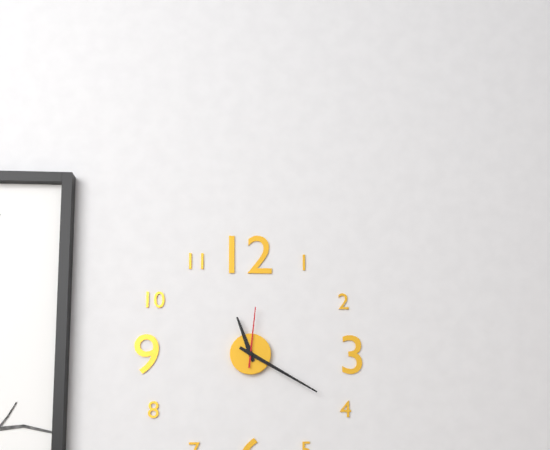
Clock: 11:20:01
